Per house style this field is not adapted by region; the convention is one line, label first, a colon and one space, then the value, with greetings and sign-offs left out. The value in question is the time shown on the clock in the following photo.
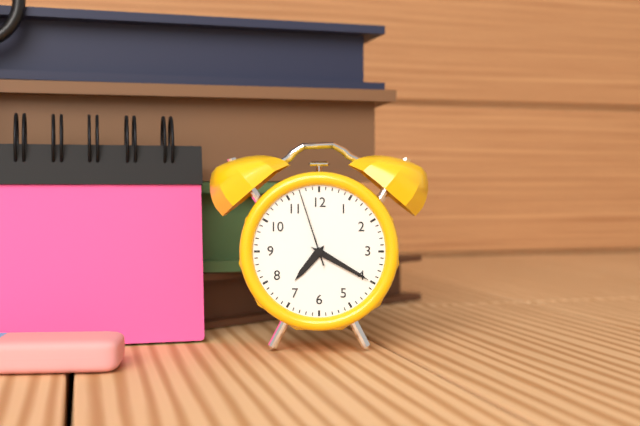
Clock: 7:20:57
